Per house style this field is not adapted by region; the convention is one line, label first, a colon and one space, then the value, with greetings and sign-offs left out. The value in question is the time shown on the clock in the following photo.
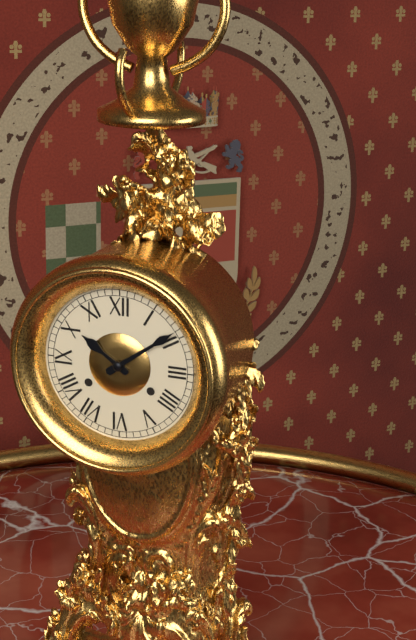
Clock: 10:09
